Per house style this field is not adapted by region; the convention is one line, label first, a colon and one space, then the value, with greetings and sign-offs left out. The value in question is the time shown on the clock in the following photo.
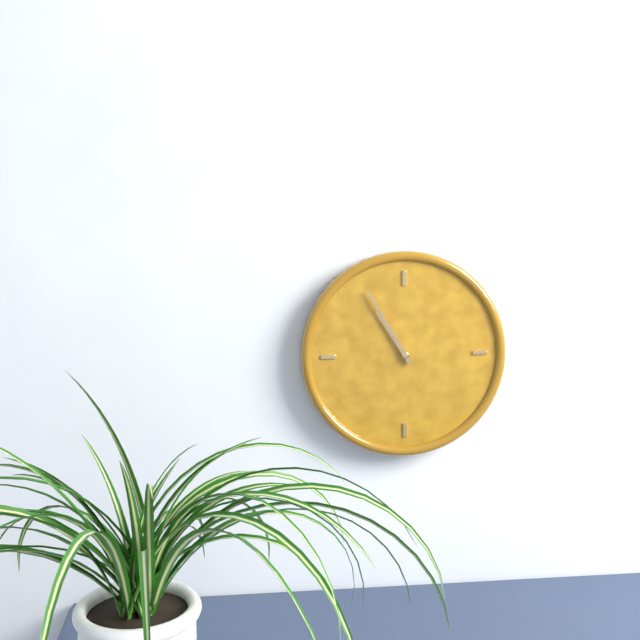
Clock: 10:55
